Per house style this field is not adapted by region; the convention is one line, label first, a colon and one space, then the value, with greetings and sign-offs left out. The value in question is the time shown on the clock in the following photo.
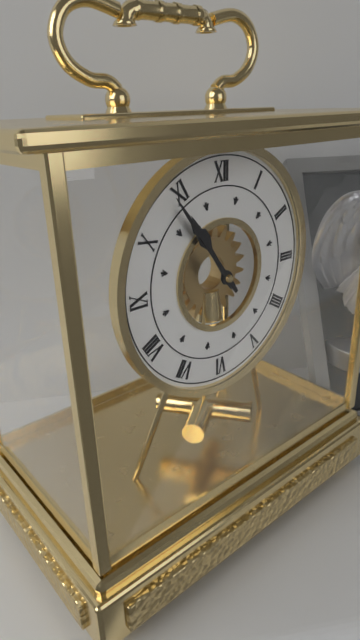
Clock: 10:54
